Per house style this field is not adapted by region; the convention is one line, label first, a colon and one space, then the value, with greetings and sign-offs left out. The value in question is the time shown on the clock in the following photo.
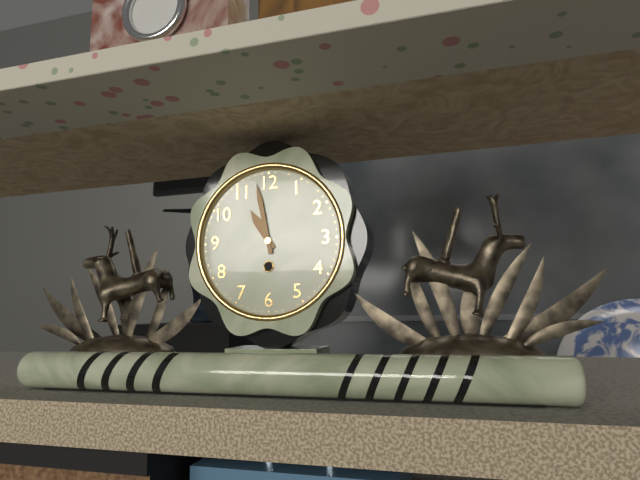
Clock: 10:58
